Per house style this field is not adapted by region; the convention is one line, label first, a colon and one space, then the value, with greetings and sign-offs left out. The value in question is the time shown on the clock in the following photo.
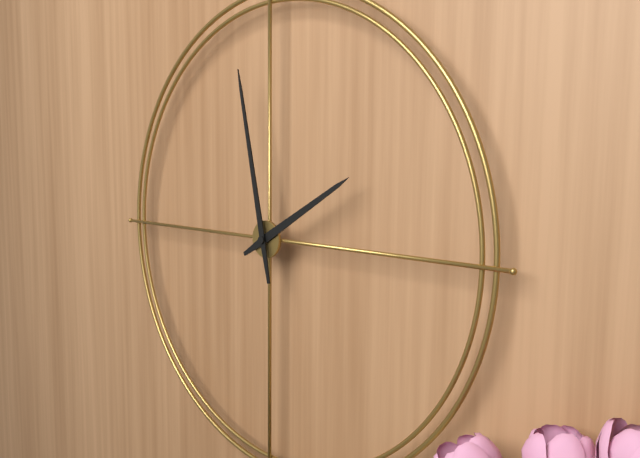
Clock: 1:58
